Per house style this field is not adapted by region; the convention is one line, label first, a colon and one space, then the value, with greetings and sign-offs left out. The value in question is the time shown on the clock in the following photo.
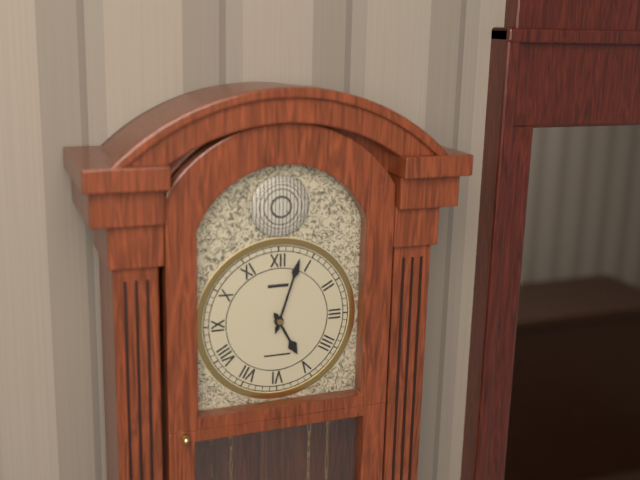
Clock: 5:03
